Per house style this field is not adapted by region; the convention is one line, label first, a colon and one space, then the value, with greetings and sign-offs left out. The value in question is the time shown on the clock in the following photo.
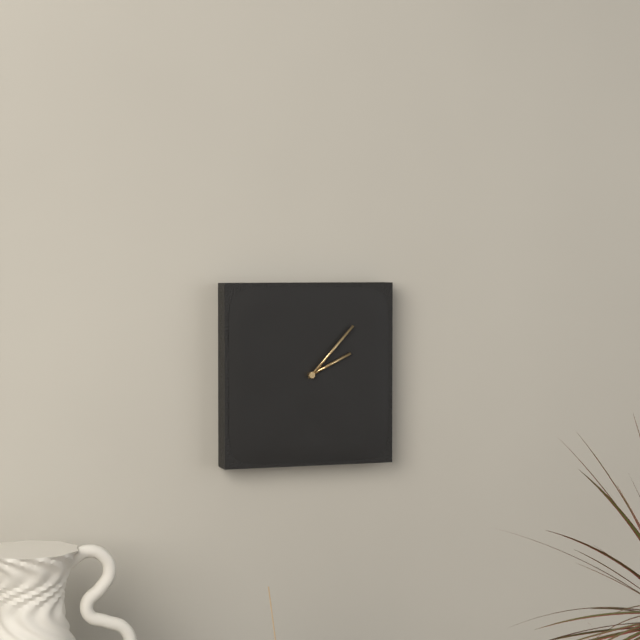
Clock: 2:07
